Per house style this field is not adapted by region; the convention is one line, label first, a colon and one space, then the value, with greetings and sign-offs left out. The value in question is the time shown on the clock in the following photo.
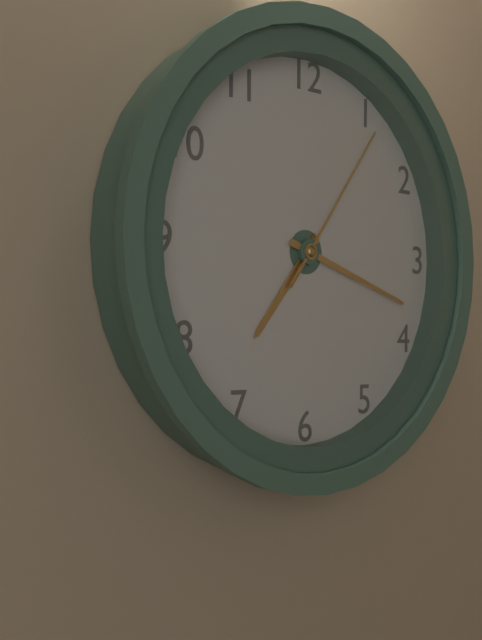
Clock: 7:18:06
